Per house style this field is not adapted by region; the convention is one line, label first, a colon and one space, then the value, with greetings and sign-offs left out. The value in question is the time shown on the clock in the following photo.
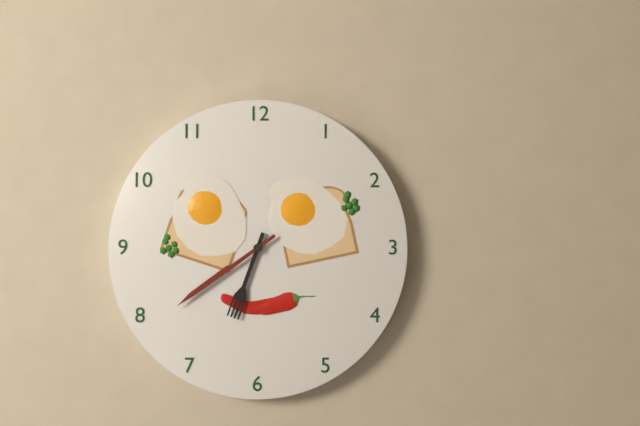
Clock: 6:39
